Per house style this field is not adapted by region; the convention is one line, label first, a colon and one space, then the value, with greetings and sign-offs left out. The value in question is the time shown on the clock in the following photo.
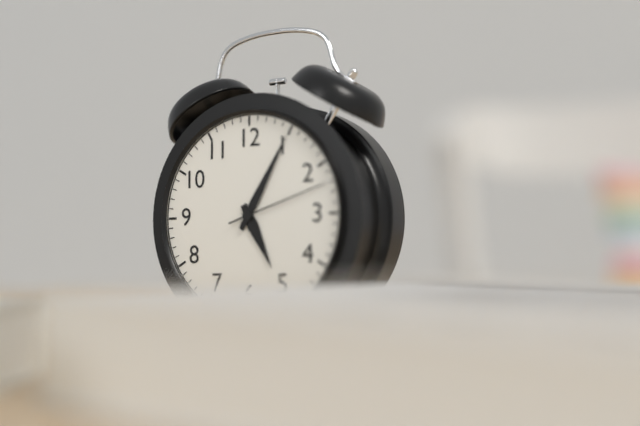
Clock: 5:05:12
